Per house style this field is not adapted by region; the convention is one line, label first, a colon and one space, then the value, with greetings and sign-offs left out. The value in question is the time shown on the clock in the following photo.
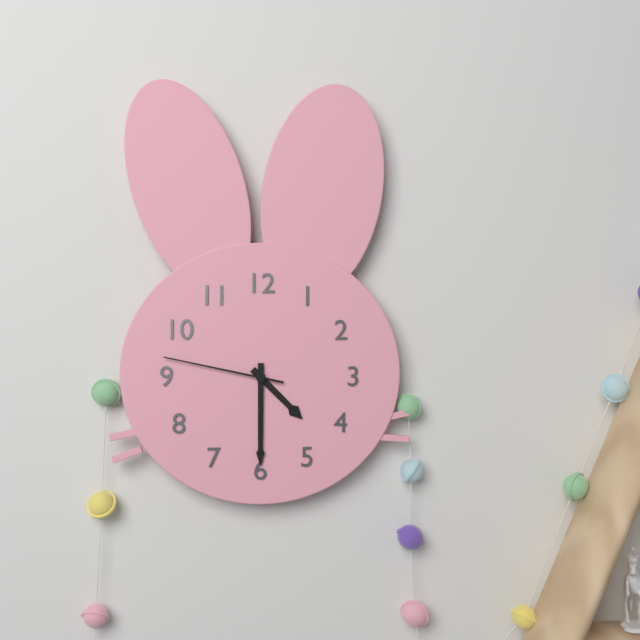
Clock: 4:30:47
